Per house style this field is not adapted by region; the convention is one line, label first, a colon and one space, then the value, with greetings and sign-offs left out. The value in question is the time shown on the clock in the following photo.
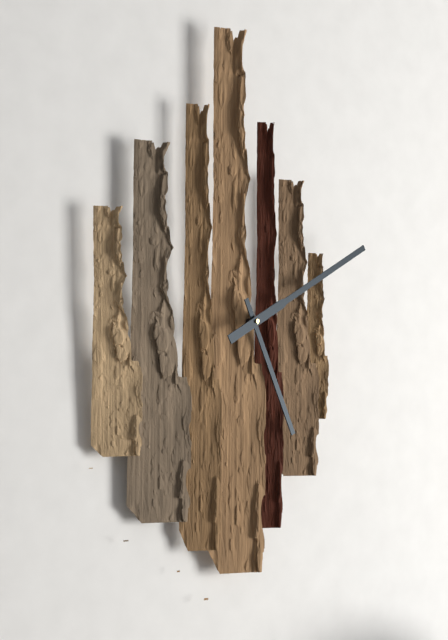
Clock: 5:10
